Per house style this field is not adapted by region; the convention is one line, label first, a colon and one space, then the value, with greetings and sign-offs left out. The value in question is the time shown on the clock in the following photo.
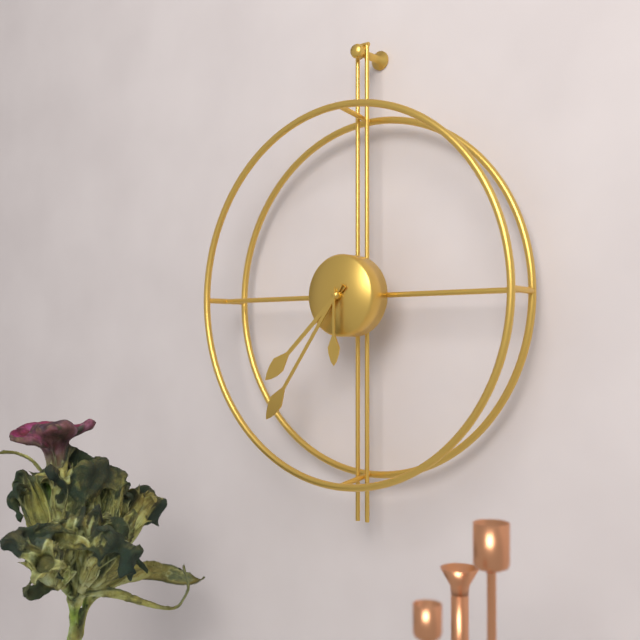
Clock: 7:36:30
